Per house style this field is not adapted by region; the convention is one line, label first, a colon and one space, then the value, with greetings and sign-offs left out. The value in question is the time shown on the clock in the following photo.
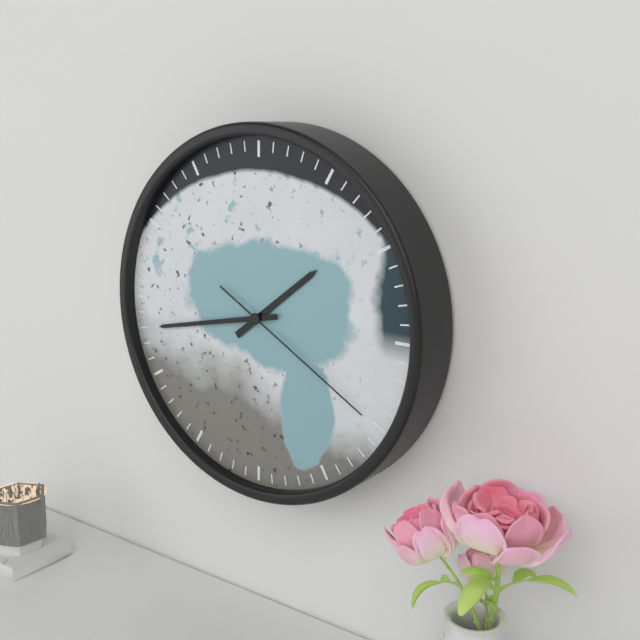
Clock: 1:43:20
